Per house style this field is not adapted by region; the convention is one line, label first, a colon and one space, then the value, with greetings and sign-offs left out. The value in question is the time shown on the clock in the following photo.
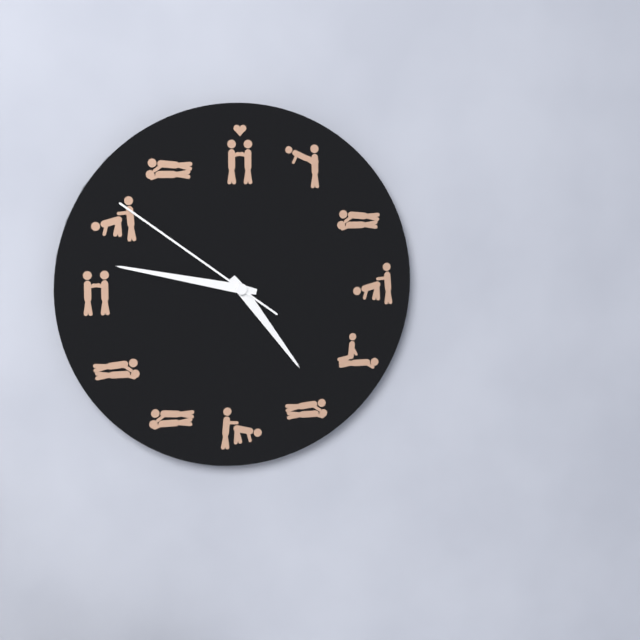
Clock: 4:47:51
